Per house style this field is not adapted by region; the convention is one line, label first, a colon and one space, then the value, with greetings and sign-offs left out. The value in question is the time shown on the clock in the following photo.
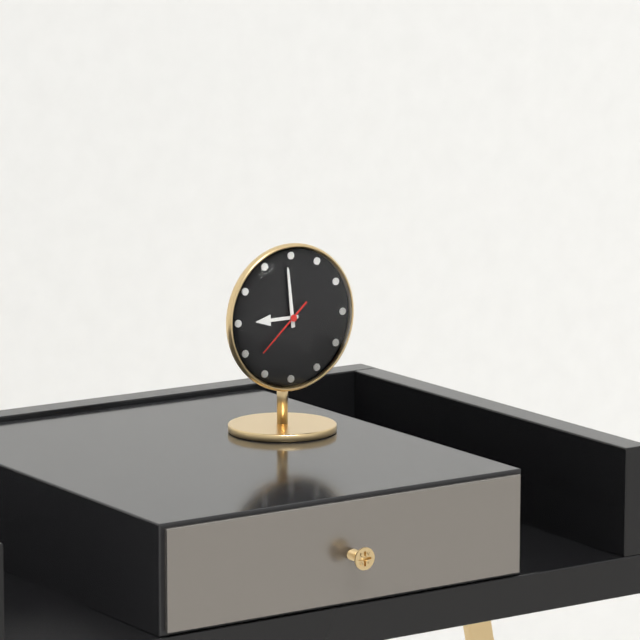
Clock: 8:59:38
